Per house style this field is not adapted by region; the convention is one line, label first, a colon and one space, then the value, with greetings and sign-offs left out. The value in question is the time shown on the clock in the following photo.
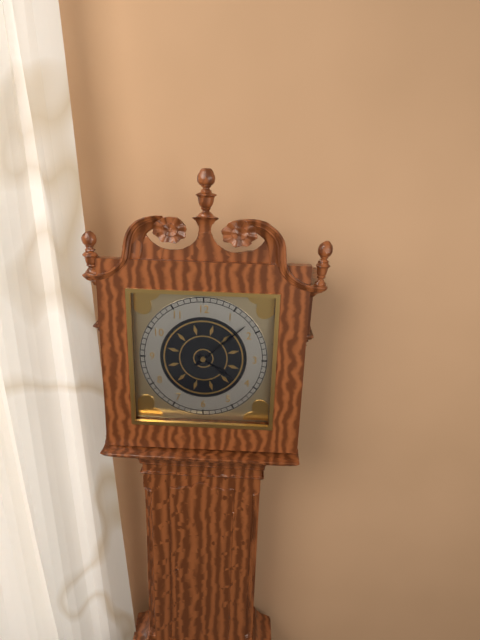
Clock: 4:08
